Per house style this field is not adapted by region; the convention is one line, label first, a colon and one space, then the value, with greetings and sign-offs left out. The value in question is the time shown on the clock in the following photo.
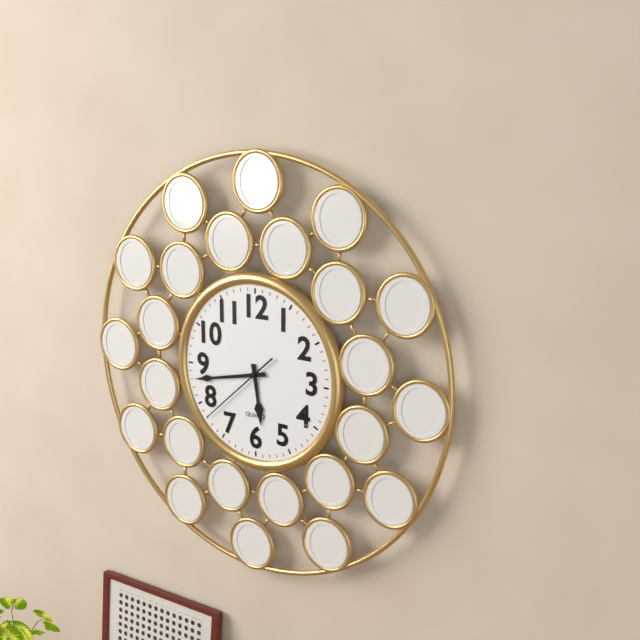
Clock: 5:43:38
